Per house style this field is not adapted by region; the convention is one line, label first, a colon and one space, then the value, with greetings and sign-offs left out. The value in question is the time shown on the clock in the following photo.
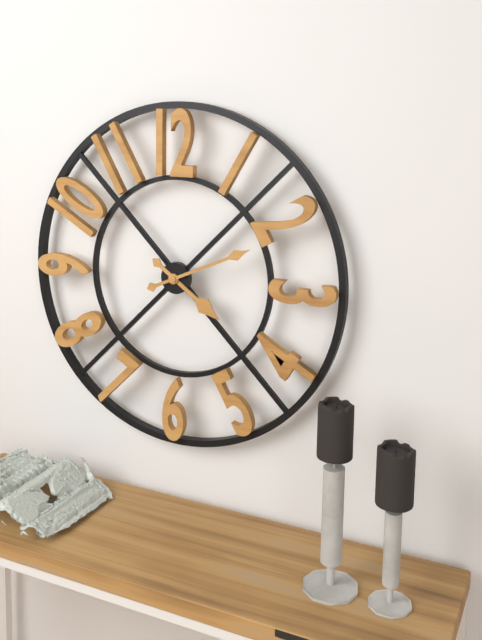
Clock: 4:11
